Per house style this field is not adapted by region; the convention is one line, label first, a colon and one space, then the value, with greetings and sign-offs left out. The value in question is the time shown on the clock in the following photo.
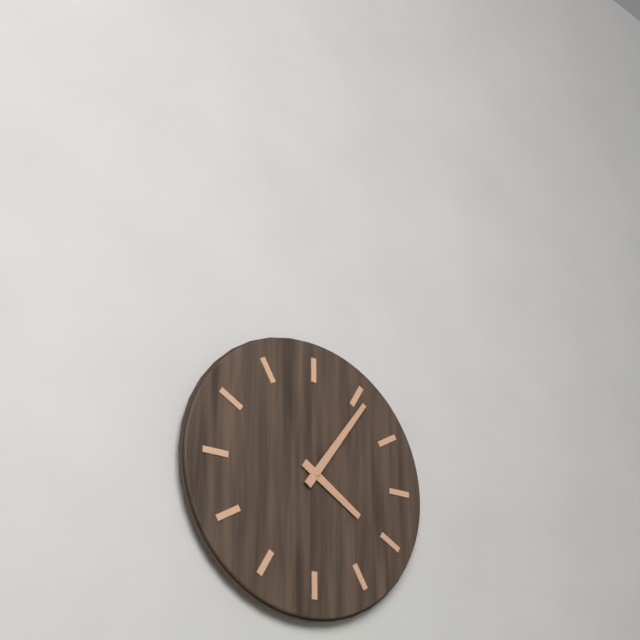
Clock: 4:06
